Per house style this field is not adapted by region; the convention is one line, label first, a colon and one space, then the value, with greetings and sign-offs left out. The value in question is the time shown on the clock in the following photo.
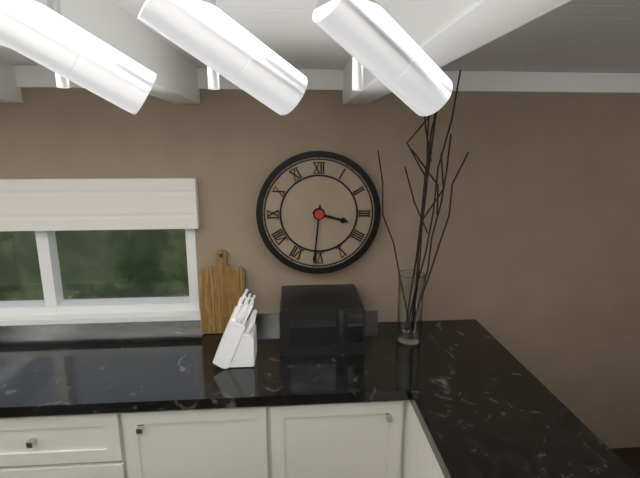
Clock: 3:31
